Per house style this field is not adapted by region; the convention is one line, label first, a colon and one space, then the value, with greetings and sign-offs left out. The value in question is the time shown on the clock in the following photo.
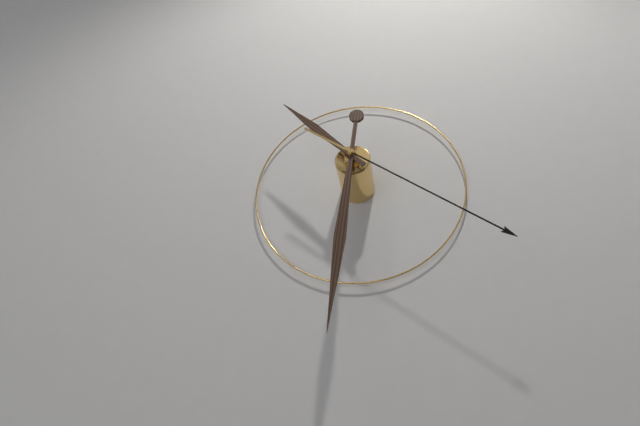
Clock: 10:31:21
